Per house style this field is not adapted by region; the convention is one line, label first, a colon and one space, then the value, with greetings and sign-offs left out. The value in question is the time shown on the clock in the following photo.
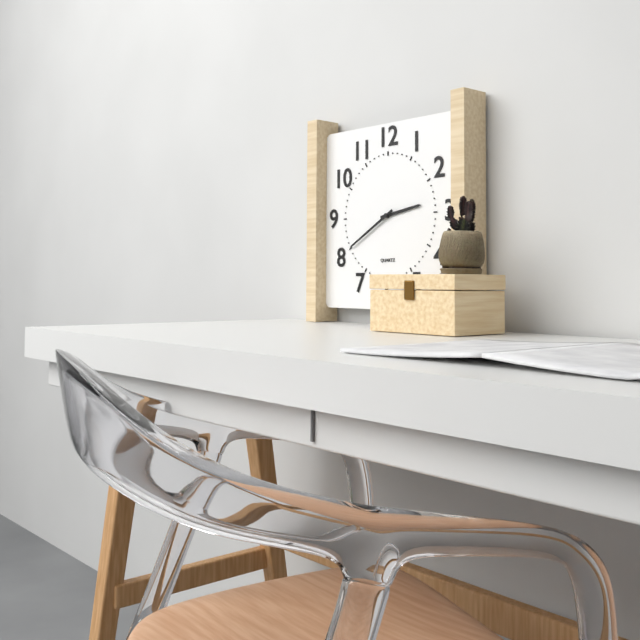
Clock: 2:40
